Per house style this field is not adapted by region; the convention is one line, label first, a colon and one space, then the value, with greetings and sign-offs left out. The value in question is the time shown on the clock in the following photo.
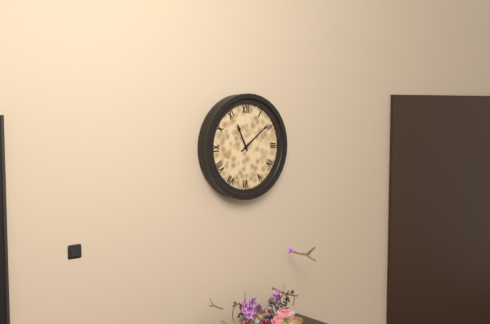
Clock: 11:09
